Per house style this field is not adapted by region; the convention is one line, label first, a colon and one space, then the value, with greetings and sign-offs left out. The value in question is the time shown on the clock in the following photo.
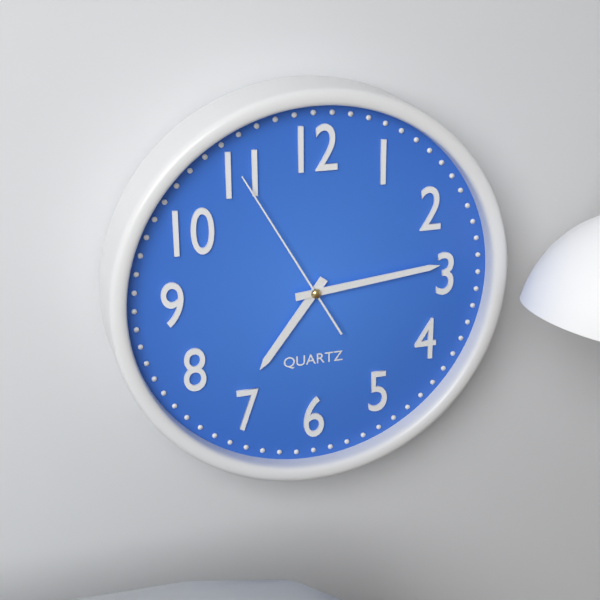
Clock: 7:14:55
